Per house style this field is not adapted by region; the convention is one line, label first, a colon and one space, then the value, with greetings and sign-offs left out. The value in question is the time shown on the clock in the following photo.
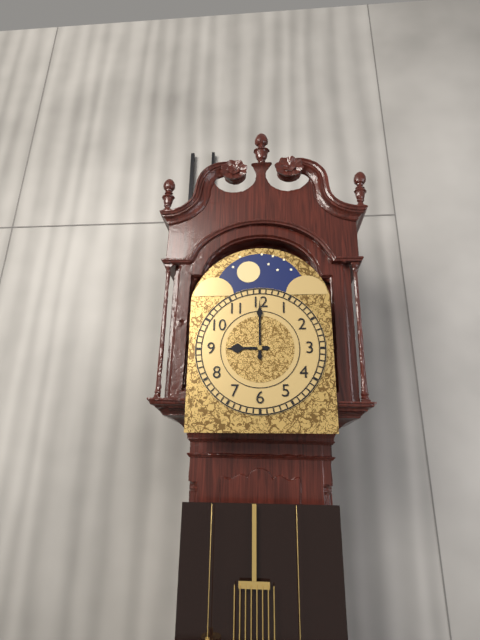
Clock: 9:00
